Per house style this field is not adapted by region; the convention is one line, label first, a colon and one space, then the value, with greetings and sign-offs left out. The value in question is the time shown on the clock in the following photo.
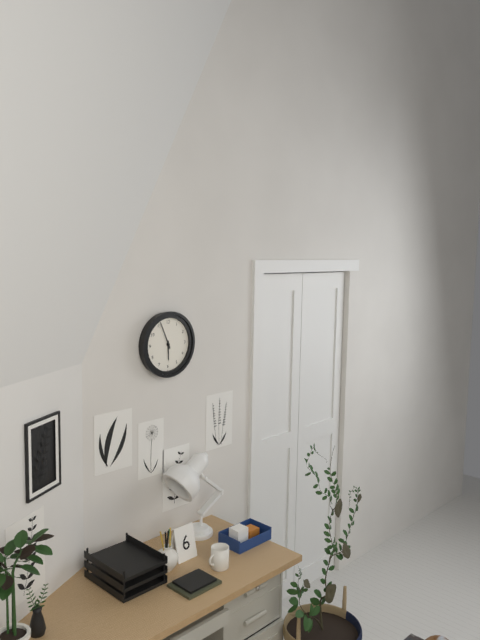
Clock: 5:56
